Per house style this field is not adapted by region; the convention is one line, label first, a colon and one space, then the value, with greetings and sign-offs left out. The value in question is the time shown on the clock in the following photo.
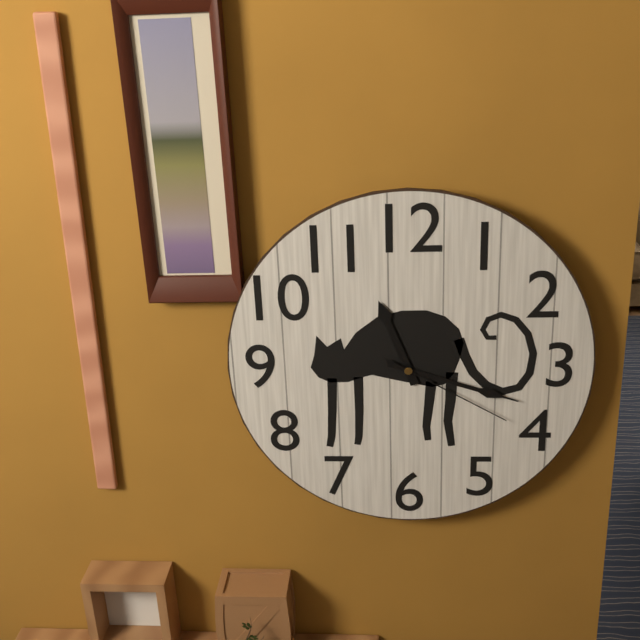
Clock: 11:18:20
